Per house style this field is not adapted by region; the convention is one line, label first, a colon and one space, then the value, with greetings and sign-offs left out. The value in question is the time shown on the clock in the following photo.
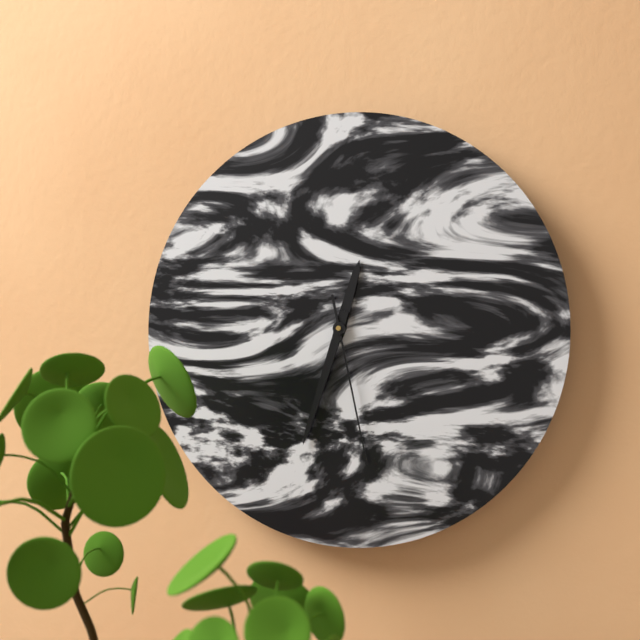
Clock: 12:33:28
